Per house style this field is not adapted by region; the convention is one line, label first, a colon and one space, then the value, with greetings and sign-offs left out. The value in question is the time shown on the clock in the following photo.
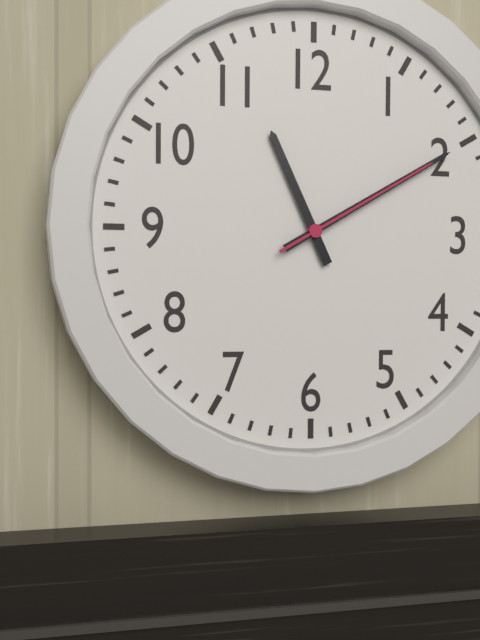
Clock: 11:10:10
